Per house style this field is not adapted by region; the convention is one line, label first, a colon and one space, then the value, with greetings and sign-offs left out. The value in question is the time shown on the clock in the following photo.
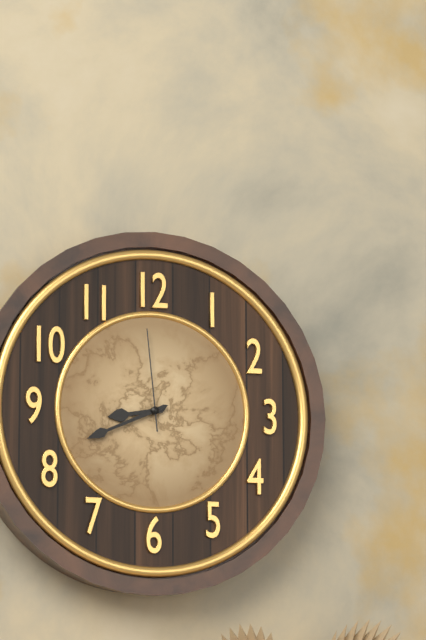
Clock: 8:41:59
